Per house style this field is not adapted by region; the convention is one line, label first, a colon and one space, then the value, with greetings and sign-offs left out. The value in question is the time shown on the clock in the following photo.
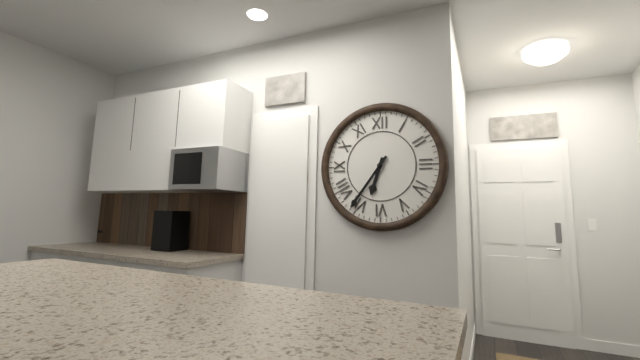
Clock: 6:36
